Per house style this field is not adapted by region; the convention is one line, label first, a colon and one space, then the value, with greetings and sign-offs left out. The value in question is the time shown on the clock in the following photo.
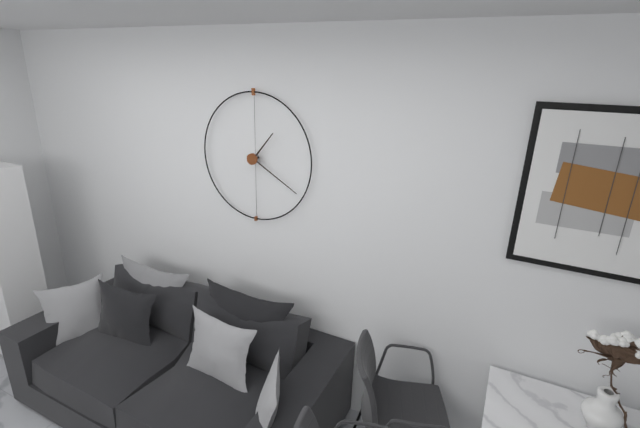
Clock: 1:20
